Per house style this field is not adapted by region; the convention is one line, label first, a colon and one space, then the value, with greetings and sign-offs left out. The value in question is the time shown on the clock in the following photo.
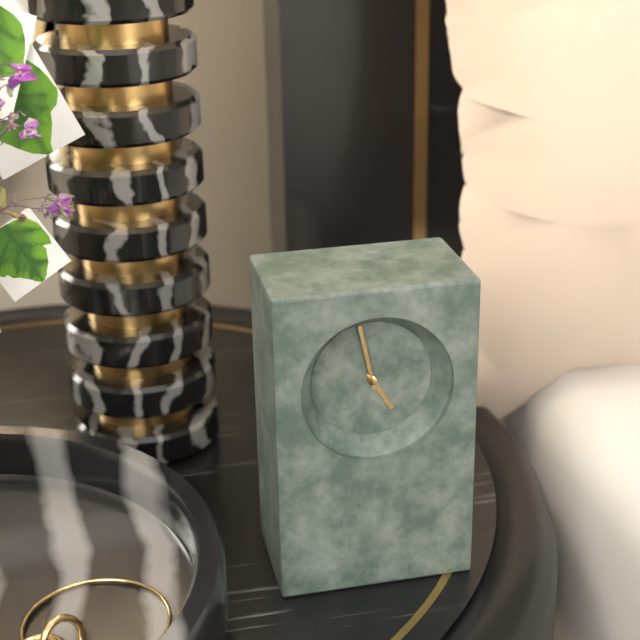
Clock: 4:58
